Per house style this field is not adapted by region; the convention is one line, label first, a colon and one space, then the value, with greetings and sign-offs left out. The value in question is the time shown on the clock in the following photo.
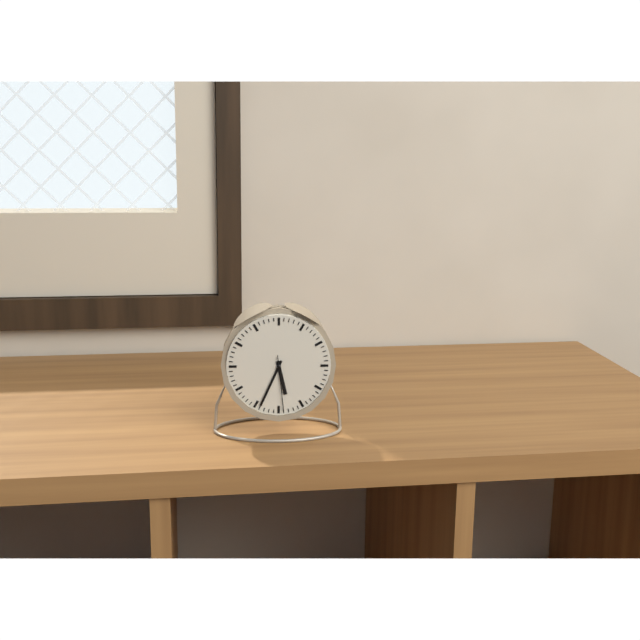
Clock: 5:34:29
